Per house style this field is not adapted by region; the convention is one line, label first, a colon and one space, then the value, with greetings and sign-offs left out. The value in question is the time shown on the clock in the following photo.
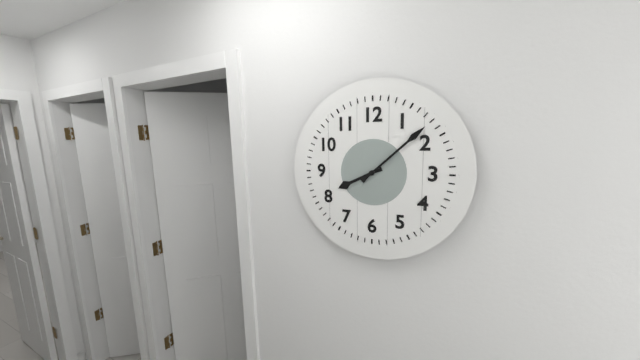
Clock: 8:08
